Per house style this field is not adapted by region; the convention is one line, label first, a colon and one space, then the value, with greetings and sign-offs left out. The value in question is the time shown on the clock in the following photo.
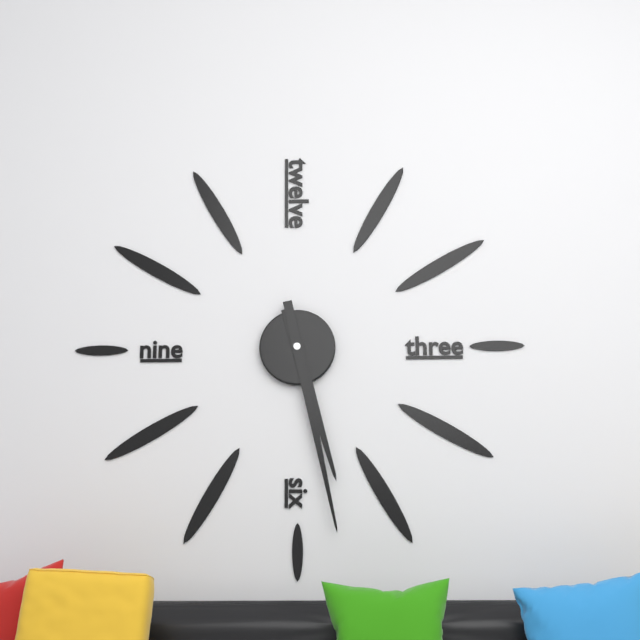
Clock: 5:28
